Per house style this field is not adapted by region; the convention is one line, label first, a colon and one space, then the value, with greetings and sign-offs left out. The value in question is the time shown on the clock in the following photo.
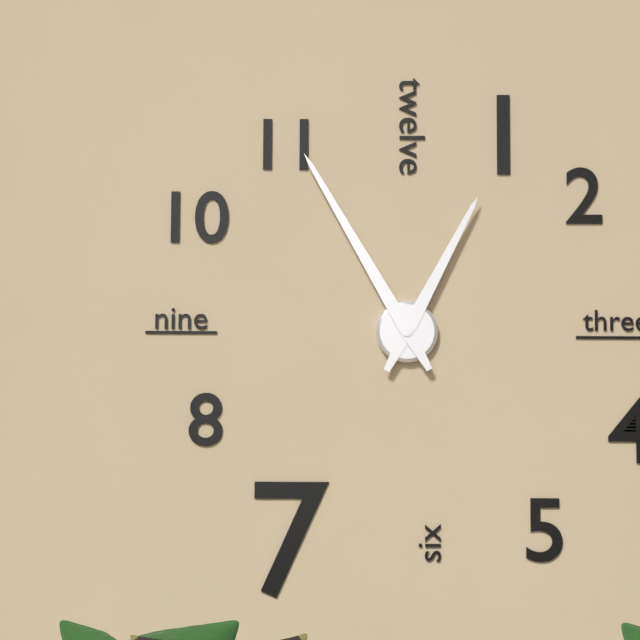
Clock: 12:55
